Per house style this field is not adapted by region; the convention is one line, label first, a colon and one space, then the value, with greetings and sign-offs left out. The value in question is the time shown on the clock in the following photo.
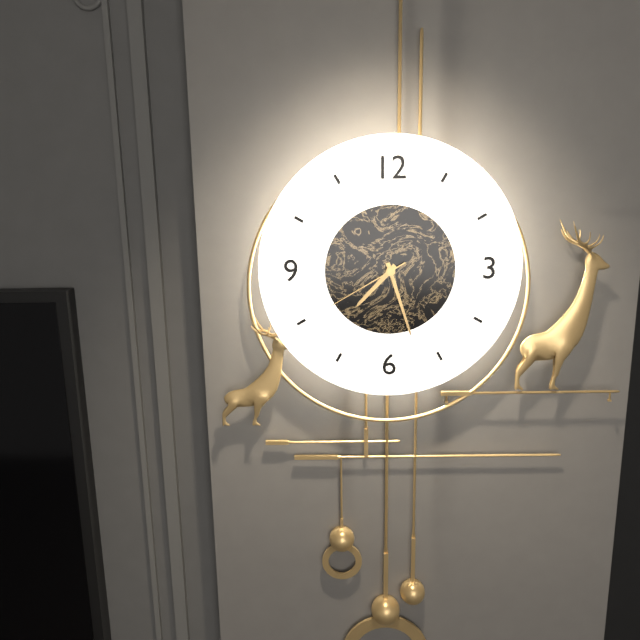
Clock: 7:27:40
